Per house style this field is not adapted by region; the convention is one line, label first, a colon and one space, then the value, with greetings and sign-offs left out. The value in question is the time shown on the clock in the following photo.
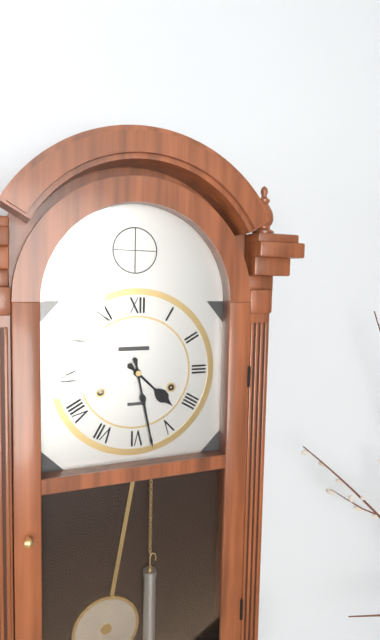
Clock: 4:28
